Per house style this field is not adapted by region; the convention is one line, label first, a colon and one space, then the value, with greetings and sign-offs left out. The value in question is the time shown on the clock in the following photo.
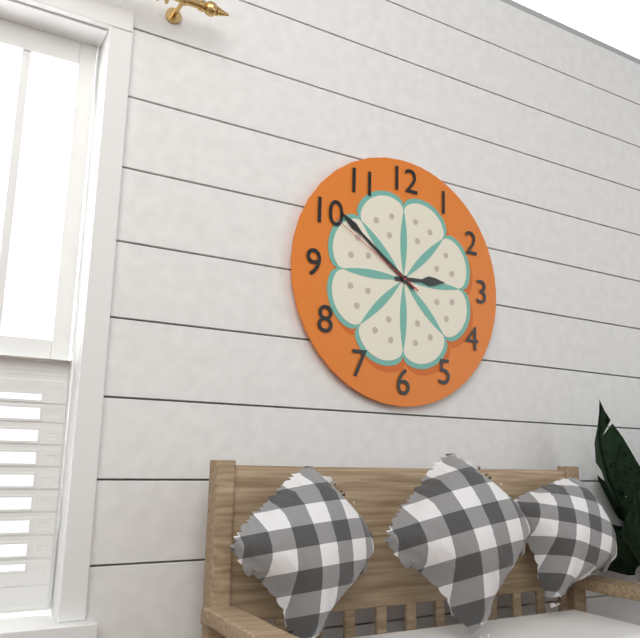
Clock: 2:51:50
